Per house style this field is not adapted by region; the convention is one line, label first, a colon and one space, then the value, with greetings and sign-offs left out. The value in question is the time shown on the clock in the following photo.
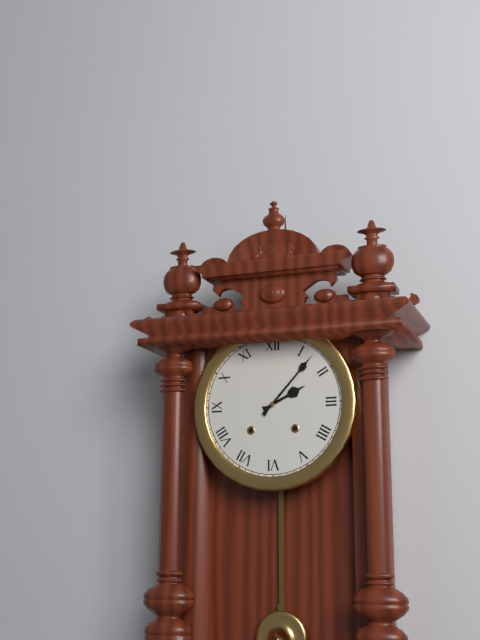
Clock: 2:07
